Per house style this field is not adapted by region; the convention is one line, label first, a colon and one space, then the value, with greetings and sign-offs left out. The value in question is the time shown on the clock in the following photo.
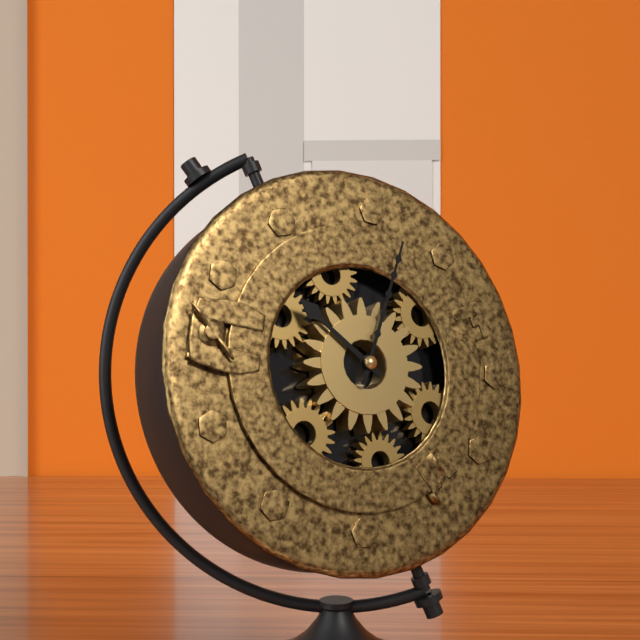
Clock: 10:02
